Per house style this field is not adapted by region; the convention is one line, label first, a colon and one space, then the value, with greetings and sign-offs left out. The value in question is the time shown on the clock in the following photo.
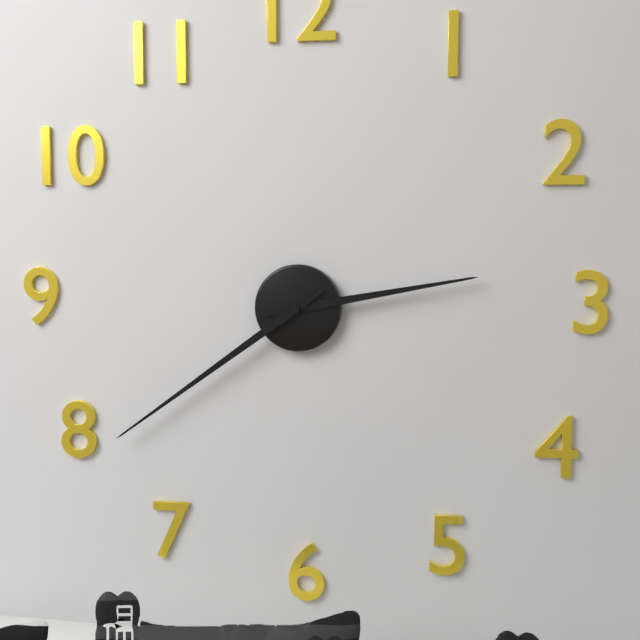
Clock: 2:39
